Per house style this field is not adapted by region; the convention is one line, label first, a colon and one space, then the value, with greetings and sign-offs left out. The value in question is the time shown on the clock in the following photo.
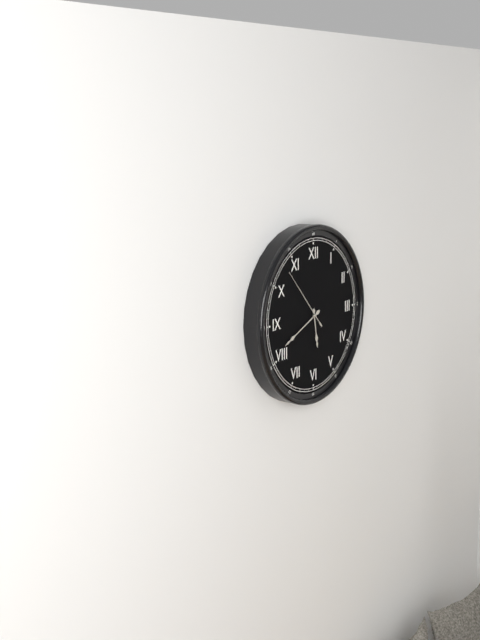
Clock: 5:41:53
